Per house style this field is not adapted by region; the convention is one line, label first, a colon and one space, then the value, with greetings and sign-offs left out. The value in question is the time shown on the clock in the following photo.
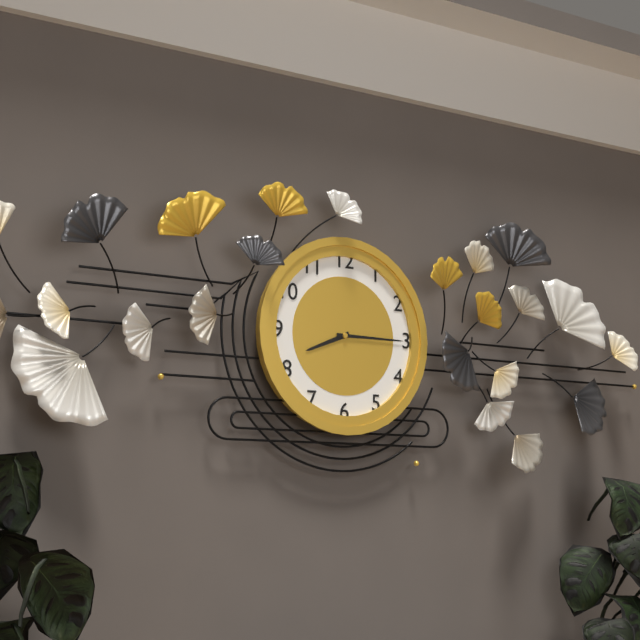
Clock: 8:15
